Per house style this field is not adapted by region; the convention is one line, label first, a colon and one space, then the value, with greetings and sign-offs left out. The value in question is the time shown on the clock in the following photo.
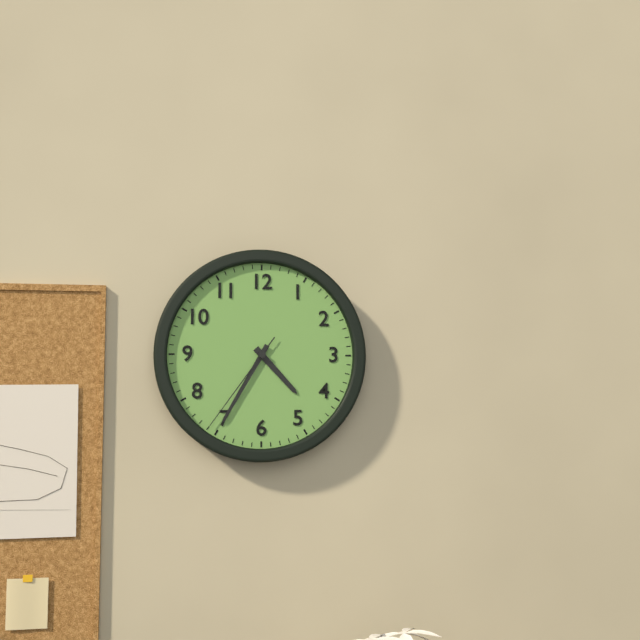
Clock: 4:35:36
